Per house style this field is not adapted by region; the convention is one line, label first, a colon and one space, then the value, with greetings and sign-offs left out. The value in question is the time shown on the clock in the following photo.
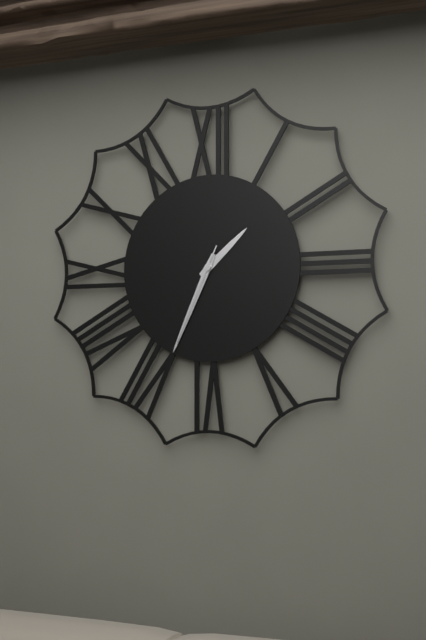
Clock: 1:34:34
